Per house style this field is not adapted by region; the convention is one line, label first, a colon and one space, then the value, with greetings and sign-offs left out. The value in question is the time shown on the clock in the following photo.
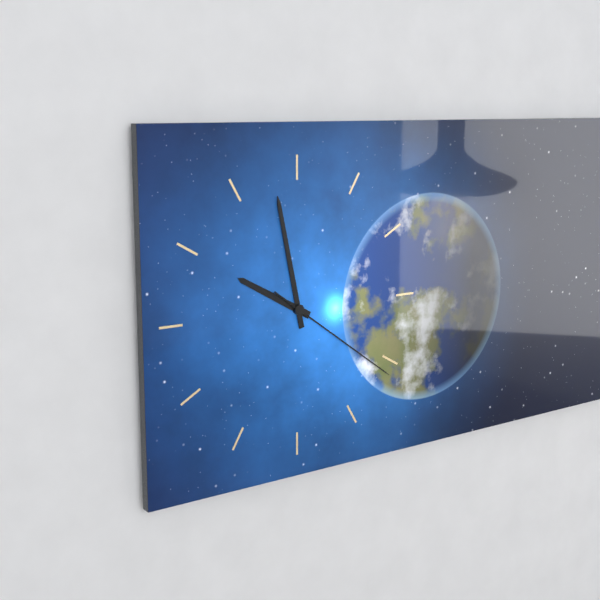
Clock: 9:58:21
